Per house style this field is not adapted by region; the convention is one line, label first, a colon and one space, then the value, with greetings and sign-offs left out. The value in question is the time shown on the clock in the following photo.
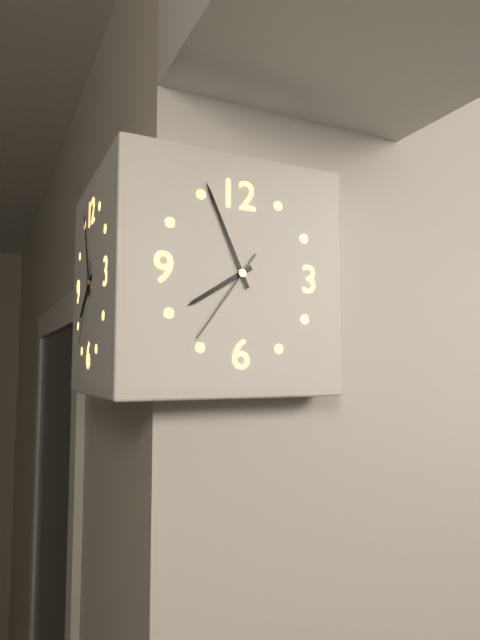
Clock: 7:56:36
